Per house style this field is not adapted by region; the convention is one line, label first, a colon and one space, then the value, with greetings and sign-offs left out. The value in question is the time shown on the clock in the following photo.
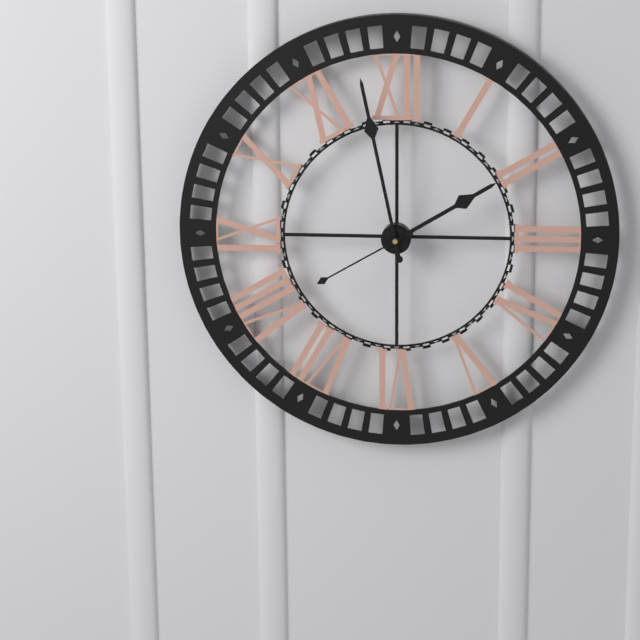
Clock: 1:58:40
